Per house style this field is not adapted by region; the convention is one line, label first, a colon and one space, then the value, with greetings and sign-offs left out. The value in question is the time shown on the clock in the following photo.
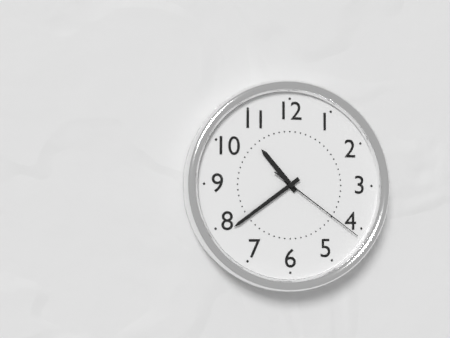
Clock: 10:39:21
